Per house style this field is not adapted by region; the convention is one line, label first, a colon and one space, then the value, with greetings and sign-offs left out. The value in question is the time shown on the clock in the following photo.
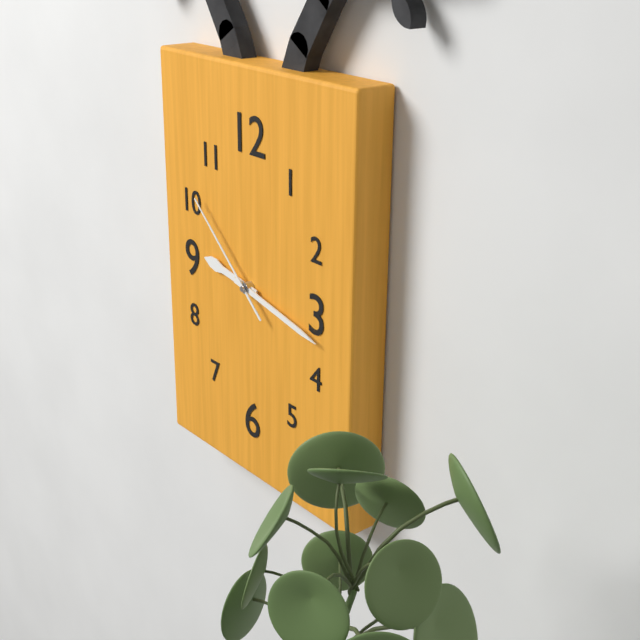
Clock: 9:17:52
